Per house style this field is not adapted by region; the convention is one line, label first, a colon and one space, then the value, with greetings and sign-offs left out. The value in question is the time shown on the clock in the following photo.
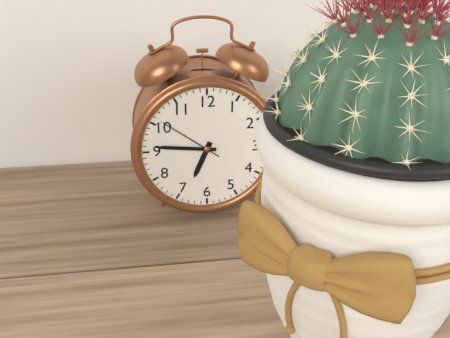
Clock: 6:46:51
